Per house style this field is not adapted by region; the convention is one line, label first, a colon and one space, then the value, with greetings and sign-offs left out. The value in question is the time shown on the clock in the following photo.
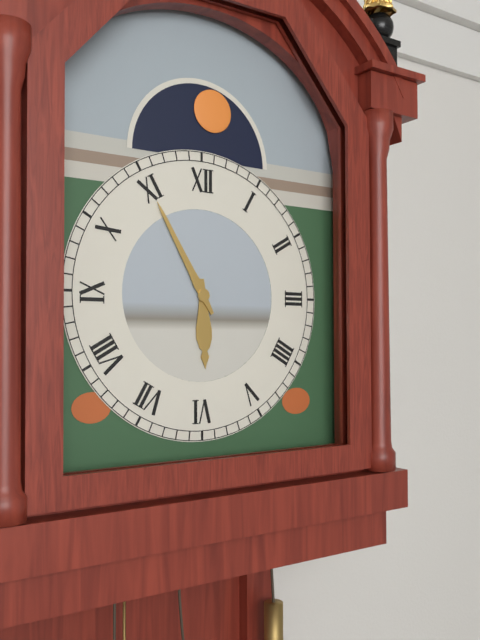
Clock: 5:55
